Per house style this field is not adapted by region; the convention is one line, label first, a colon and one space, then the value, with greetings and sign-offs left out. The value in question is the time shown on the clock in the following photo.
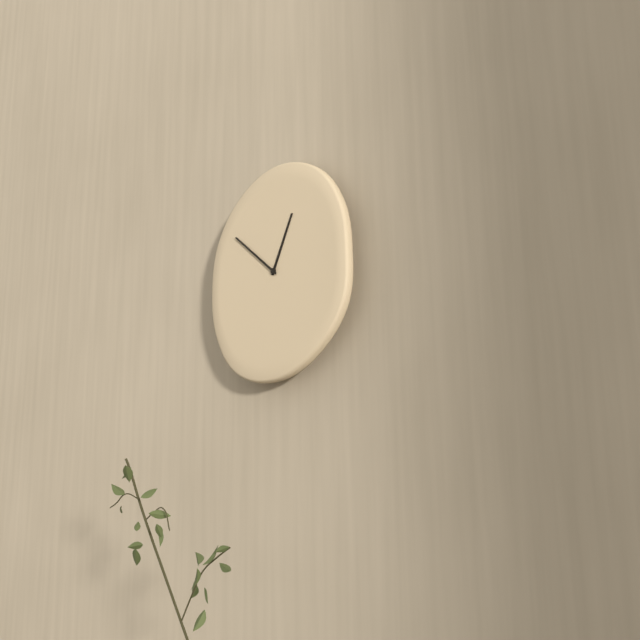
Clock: 12:52
